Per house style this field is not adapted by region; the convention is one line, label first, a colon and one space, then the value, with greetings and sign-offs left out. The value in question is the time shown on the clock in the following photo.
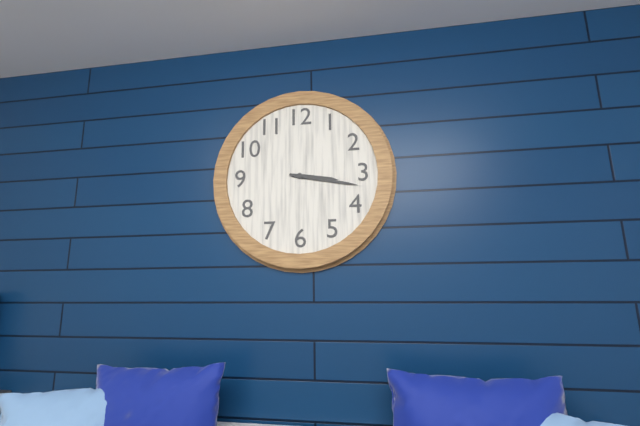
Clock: 3:17
